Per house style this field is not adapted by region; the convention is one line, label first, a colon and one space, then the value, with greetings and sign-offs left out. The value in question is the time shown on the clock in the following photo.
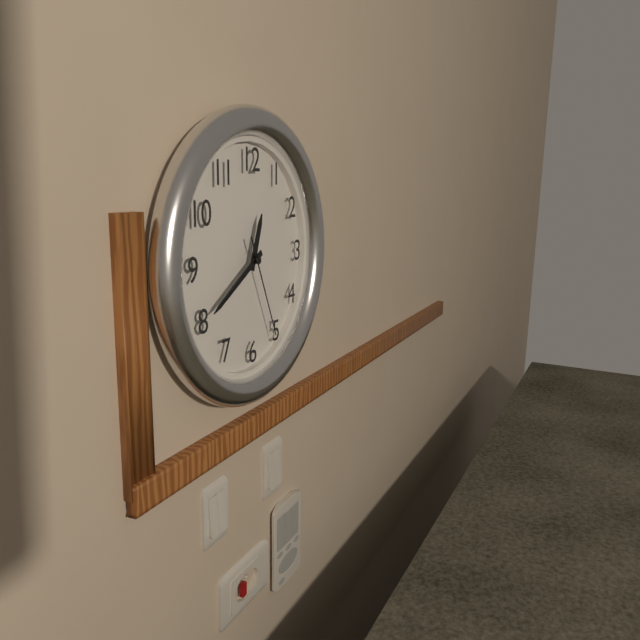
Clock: 12:40:26
